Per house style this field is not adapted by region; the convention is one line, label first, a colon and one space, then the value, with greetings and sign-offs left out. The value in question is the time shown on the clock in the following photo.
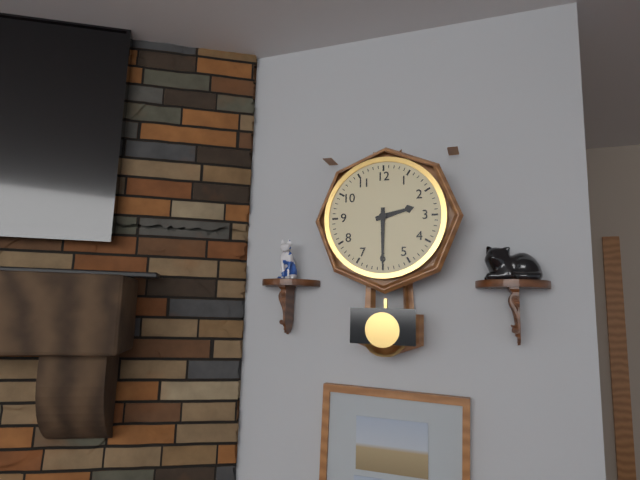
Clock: 2:30
